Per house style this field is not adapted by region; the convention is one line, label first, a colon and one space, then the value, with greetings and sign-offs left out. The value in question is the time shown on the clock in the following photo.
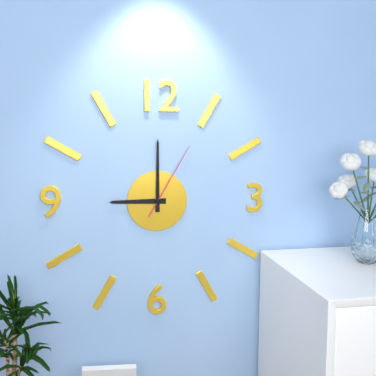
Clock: 9:00:05
